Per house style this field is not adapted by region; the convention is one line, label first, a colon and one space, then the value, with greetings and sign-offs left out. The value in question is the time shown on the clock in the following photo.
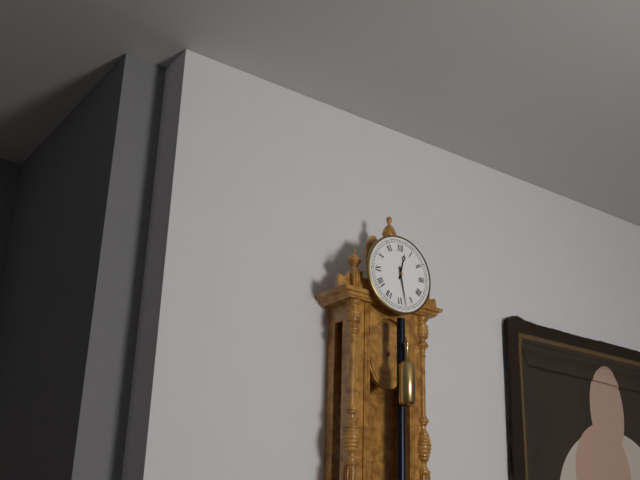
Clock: 12:28
